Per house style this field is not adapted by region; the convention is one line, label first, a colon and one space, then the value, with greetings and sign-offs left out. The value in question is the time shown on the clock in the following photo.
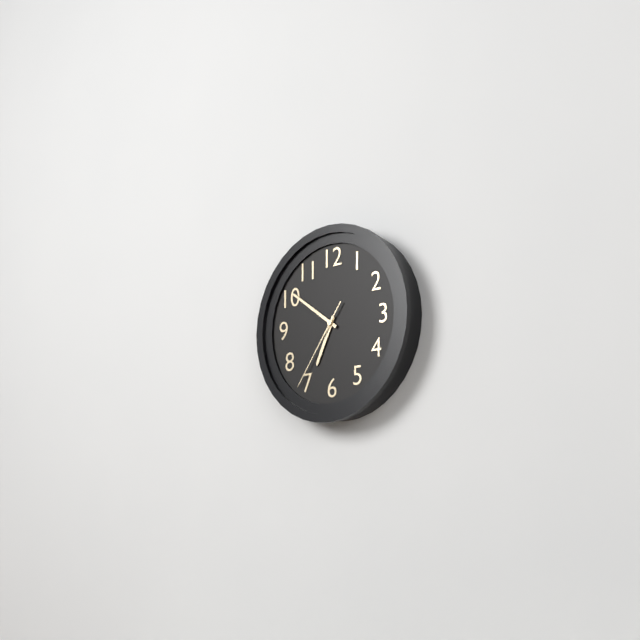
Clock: 6:51:36
